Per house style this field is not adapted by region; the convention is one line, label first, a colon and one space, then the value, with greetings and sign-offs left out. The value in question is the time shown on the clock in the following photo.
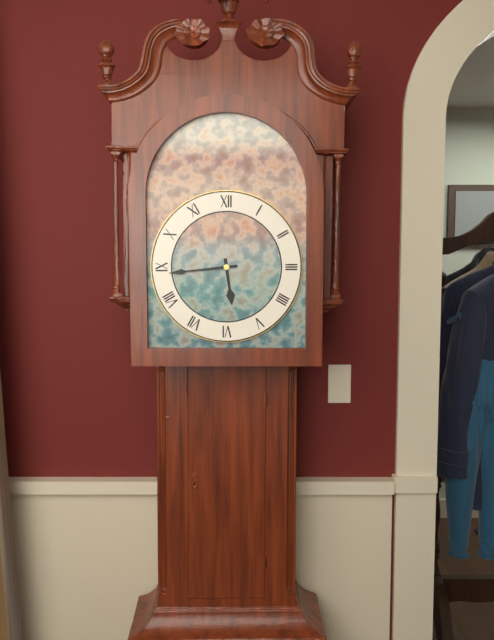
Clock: 5:44
